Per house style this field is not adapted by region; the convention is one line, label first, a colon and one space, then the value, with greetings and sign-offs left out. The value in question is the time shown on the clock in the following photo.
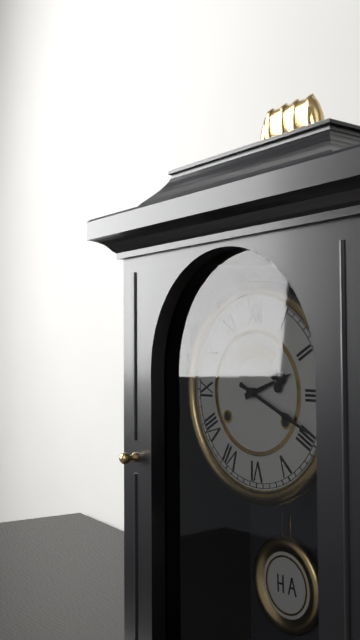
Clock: 2:19
